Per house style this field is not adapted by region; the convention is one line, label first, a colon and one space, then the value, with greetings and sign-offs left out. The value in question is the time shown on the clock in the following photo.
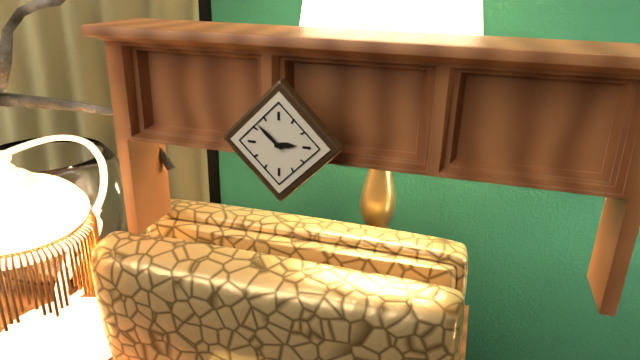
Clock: 2:52
